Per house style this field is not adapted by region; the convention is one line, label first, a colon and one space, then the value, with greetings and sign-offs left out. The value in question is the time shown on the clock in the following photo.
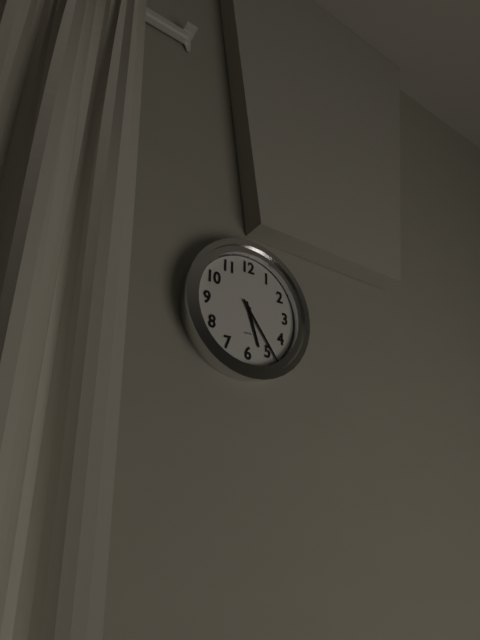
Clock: 5:24
